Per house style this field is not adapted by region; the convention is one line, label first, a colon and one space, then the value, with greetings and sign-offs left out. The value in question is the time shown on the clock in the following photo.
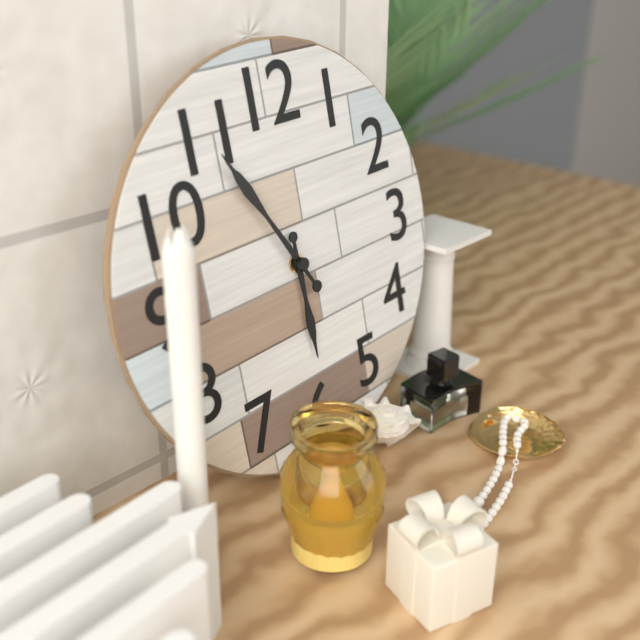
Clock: 5:55
